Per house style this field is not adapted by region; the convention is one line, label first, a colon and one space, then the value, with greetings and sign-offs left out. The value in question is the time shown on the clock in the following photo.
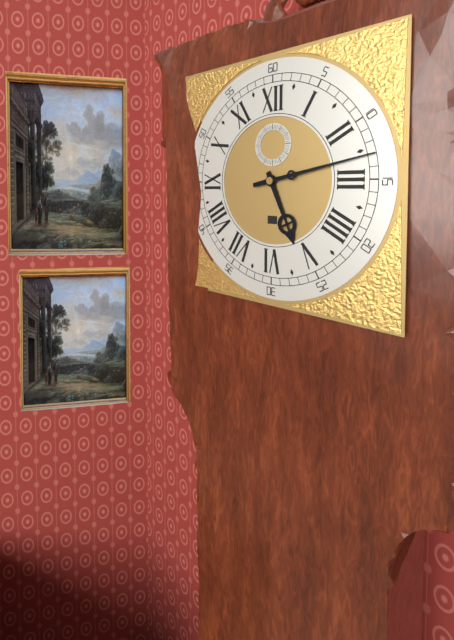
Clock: 5:13
